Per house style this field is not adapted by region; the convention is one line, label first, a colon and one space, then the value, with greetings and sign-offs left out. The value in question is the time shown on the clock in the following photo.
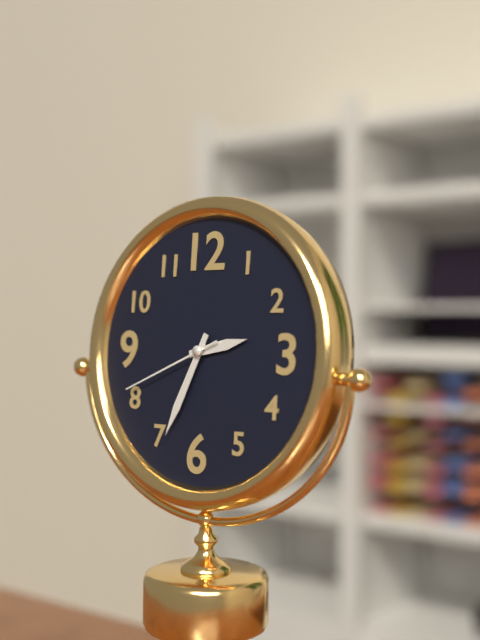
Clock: 2:34:41
